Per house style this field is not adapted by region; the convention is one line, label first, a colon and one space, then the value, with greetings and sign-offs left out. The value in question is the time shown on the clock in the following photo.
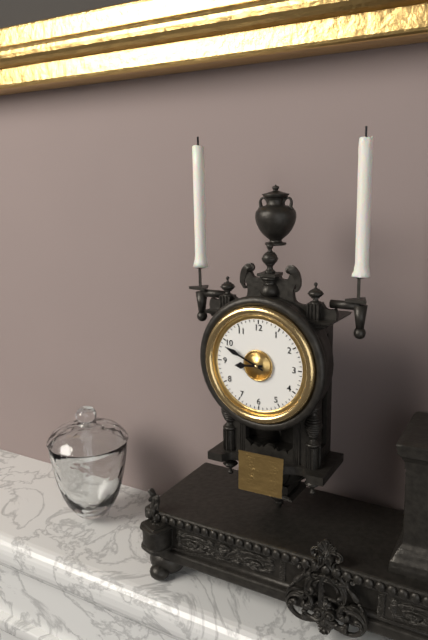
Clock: 8:49
